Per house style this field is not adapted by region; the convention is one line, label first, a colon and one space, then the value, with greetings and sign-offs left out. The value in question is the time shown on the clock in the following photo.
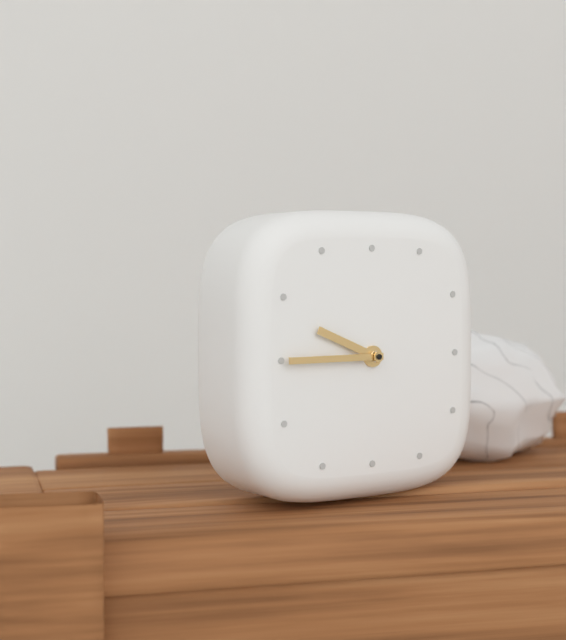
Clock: 9:45
